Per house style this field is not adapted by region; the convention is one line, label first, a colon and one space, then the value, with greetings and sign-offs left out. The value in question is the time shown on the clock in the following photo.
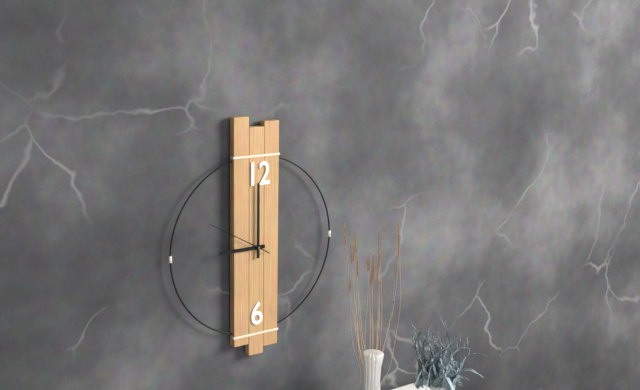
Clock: 9:00:50
